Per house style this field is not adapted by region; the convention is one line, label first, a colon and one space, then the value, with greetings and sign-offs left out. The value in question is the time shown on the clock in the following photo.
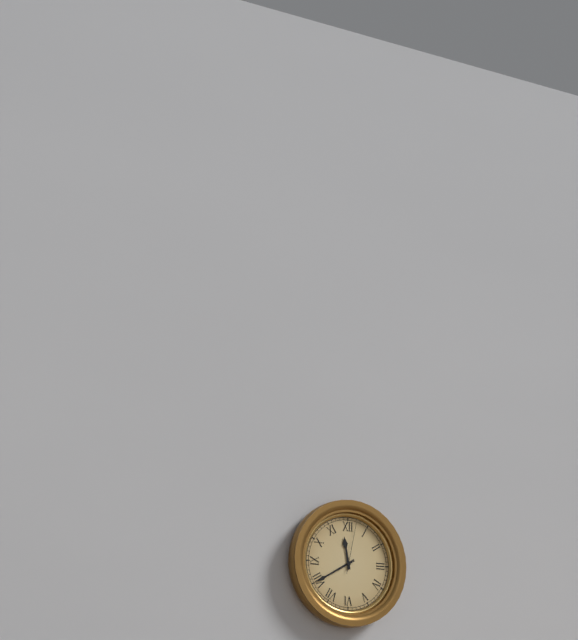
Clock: 11:40:02
